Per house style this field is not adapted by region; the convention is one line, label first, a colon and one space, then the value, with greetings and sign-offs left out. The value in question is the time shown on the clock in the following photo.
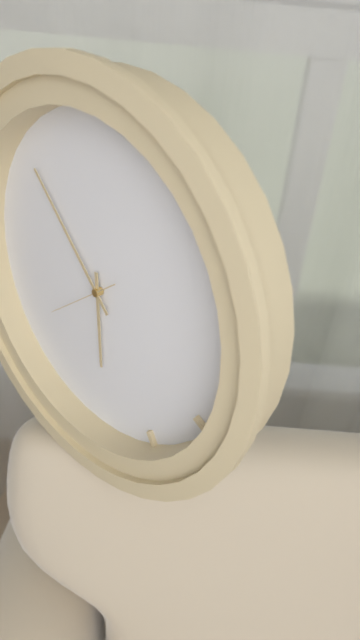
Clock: 5:53:39
